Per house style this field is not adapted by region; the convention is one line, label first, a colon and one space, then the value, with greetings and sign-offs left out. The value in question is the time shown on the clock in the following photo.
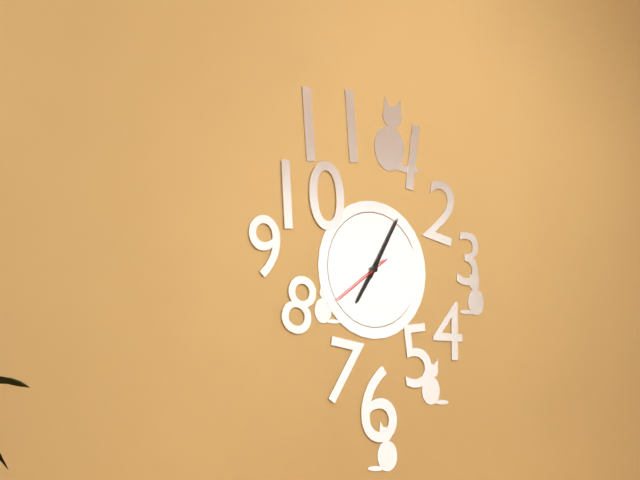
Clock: 7:05:39
